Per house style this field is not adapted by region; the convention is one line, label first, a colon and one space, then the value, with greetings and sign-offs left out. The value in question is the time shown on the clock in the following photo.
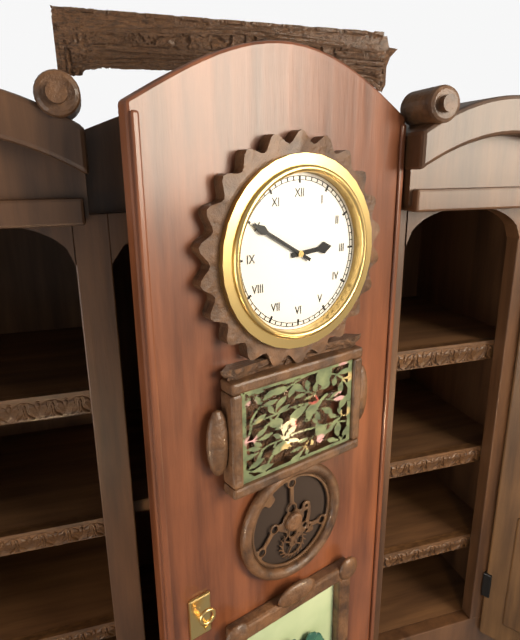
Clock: 2:50
